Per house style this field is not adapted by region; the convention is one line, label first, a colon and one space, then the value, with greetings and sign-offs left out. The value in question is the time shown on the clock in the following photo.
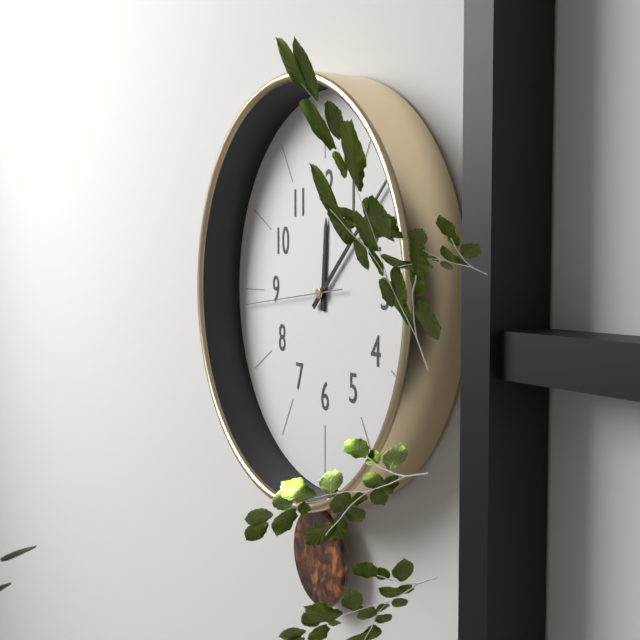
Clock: 12:08:44
